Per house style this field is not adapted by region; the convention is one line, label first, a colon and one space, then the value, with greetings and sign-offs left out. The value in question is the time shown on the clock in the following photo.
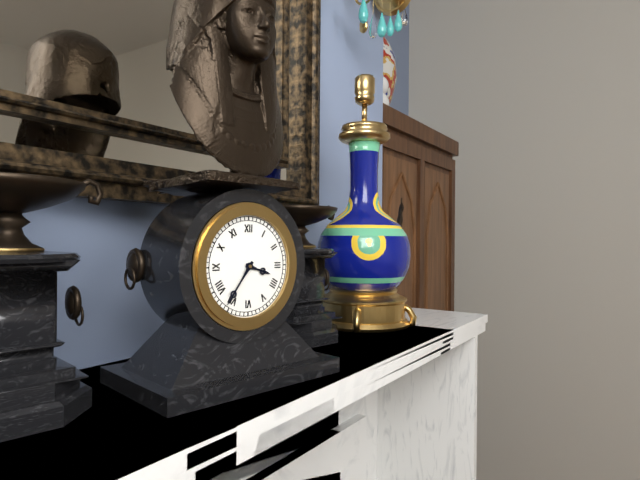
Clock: 3:36
